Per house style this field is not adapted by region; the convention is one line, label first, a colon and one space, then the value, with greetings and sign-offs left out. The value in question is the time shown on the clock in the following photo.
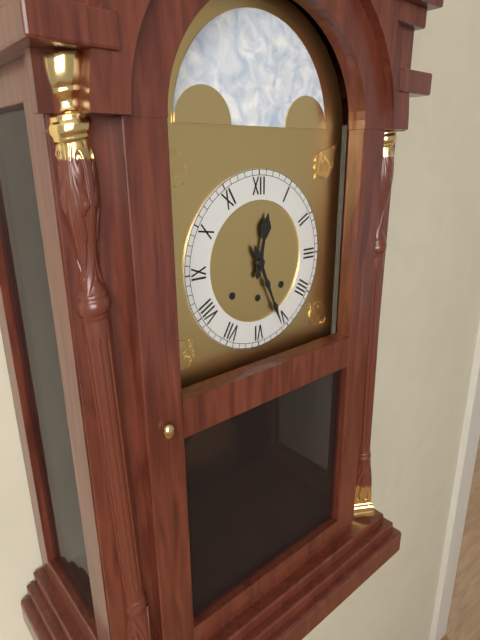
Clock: 12:26
